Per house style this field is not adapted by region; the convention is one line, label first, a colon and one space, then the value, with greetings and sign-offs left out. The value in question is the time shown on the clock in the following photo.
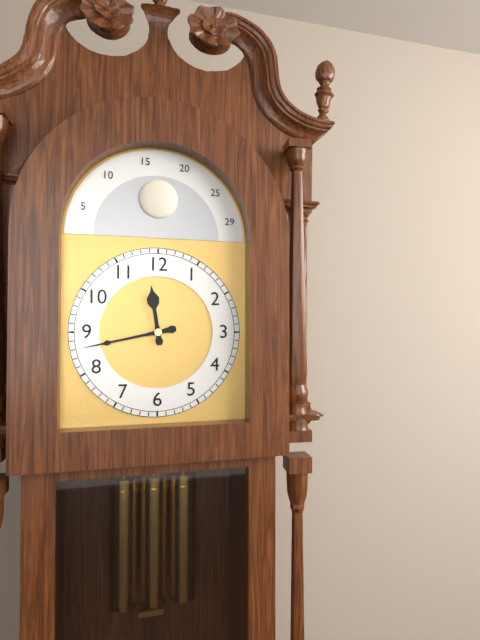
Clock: 11:43
